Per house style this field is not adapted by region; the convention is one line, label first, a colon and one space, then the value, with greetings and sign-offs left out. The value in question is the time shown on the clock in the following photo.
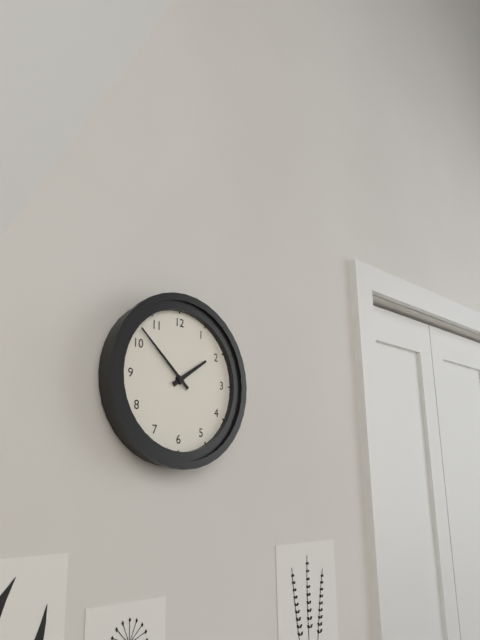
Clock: 1:52
